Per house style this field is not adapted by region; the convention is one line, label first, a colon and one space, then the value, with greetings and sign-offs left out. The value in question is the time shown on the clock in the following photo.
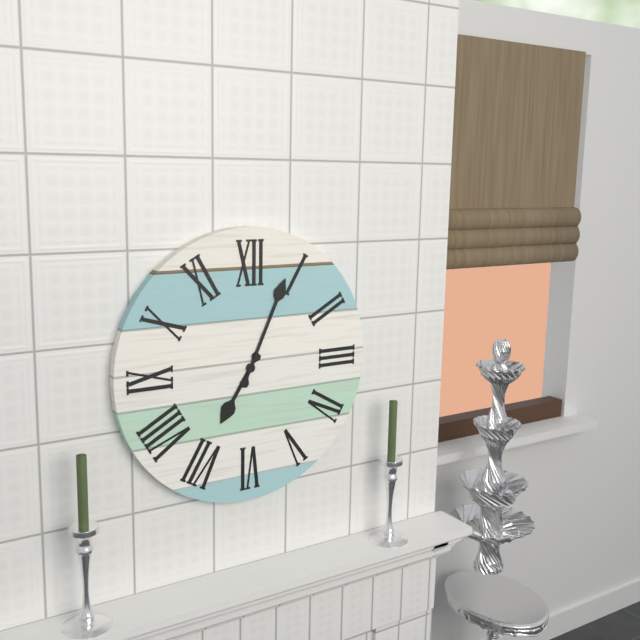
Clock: 7:04
